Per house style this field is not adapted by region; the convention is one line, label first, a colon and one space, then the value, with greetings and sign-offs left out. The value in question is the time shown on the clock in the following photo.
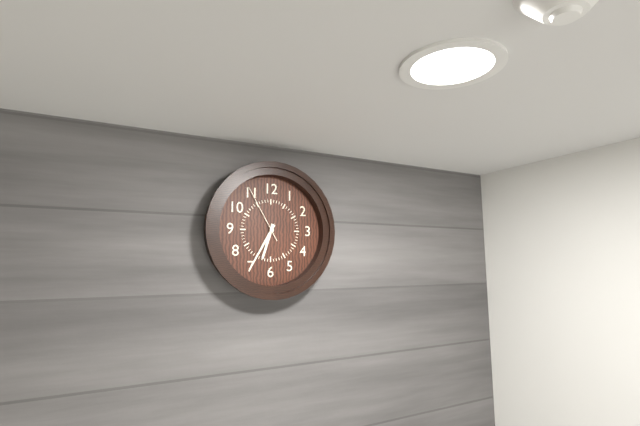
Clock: 6:35:55
